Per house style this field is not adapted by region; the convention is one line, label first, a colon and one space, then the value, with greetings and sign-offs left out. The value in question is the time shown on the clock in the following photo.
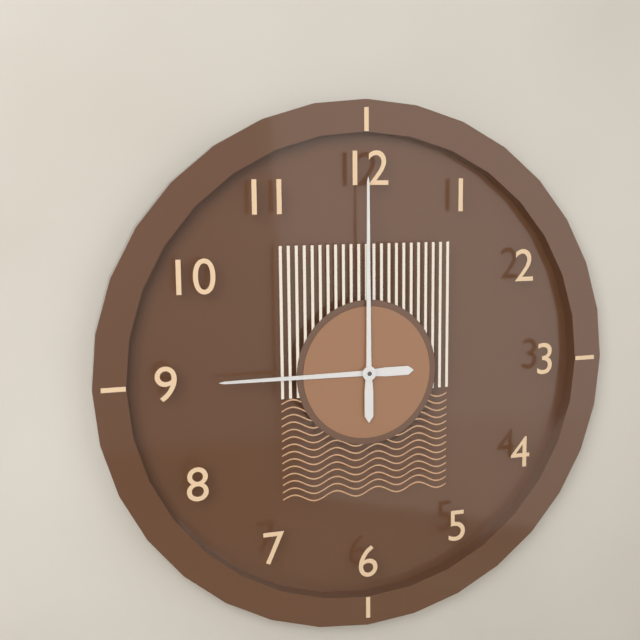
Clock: 9:00
